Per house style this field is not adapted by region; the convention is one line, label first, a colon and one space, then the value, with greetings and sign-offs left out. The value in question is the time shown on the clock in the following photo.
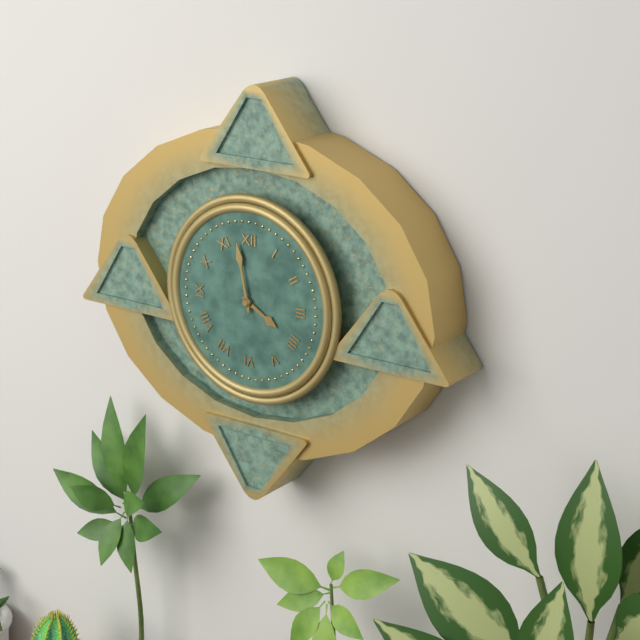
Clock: 3:58
